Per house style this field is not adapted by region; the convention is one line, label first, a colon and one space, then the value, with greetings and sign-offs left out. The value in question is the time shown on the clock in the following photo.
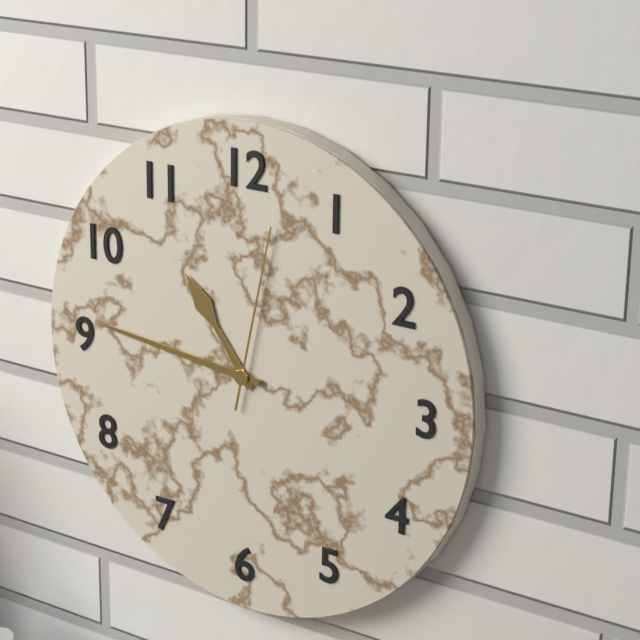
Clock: 10:46:02
